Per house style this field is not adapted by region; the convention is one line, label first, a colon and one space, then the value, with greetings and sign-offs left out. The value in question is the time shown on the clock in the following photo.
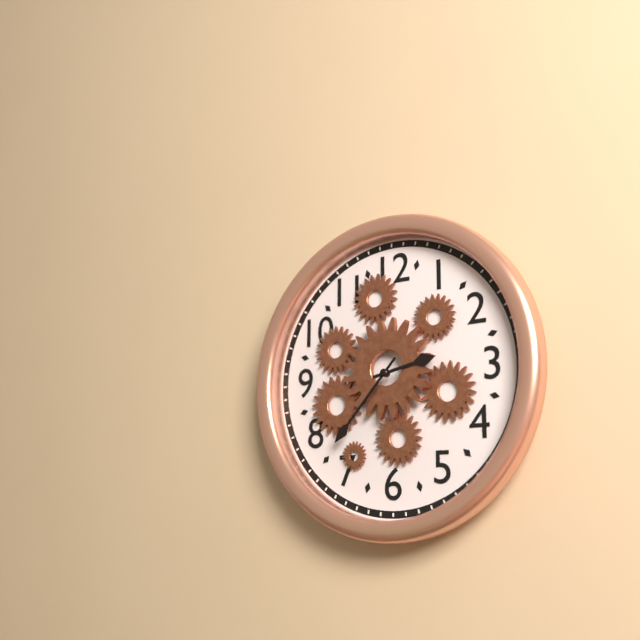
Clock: 2:37
